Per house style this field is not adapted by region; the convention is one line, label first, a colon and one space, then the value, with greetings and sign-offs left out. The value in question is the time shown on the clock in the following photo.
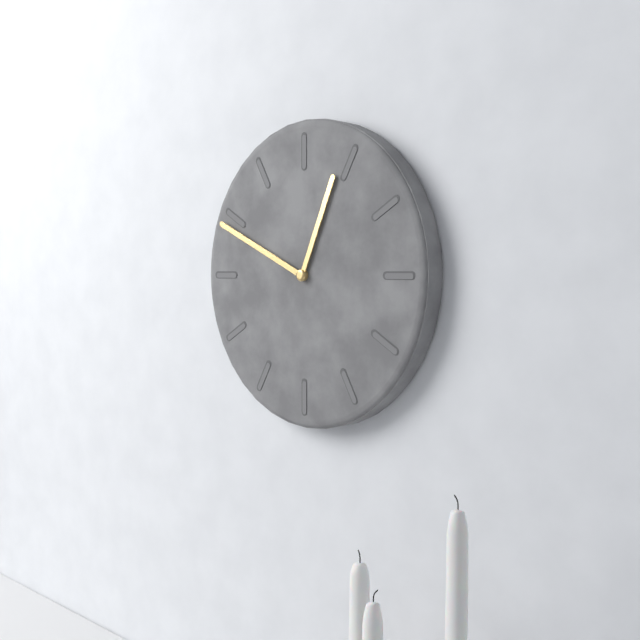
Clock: 12:49
